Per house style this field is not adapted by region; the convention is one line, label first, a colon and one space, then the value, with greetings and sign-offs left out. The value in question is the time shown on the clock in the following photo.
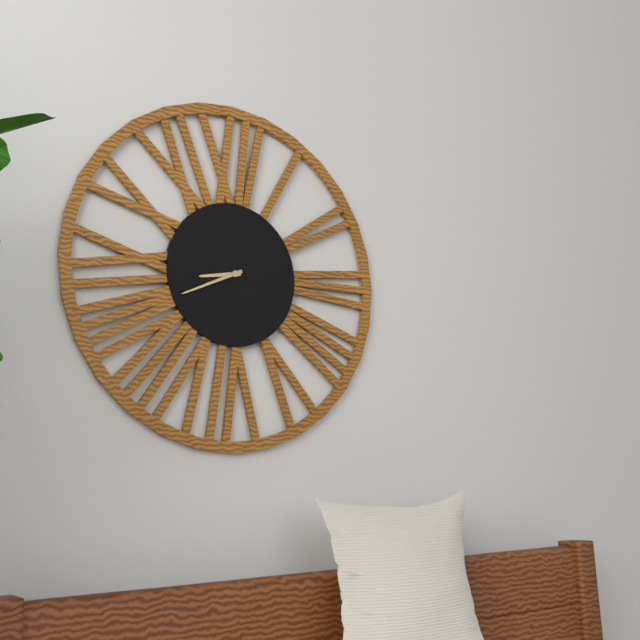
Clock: 8:41
